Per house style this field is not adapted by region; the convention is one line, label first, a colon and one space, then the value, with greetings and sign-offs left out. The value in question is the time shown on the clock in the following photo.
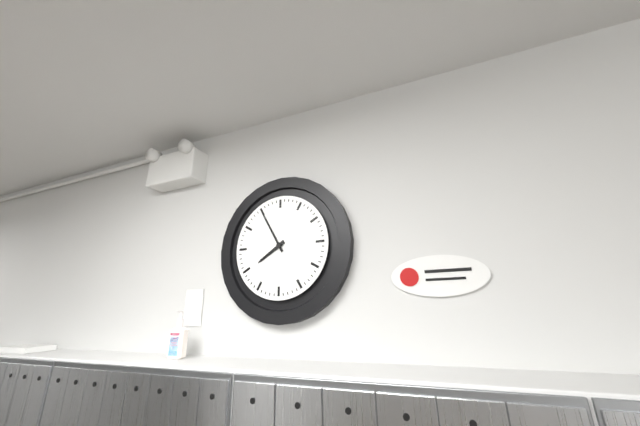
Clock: 7:55
